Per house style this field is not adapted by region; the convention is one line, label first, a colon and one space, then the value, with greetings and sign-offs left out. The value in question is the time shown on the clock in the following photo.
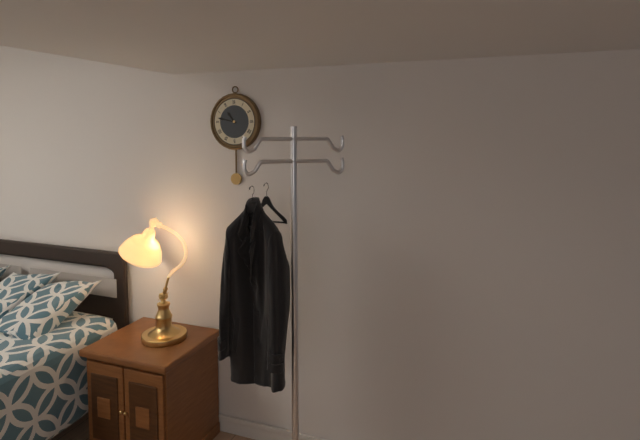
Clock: 10:47
